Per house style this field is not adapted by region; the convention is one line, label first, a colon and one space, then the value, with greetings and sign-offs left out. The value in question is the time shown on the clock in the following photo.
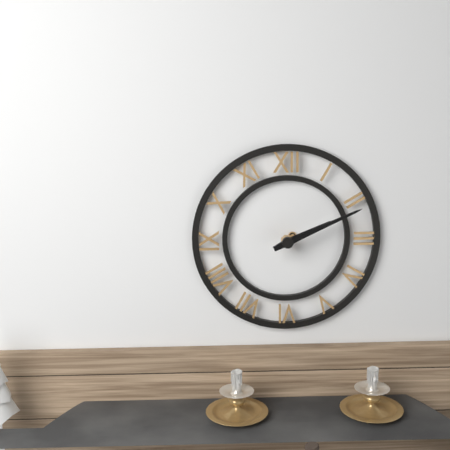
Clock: 2:11
